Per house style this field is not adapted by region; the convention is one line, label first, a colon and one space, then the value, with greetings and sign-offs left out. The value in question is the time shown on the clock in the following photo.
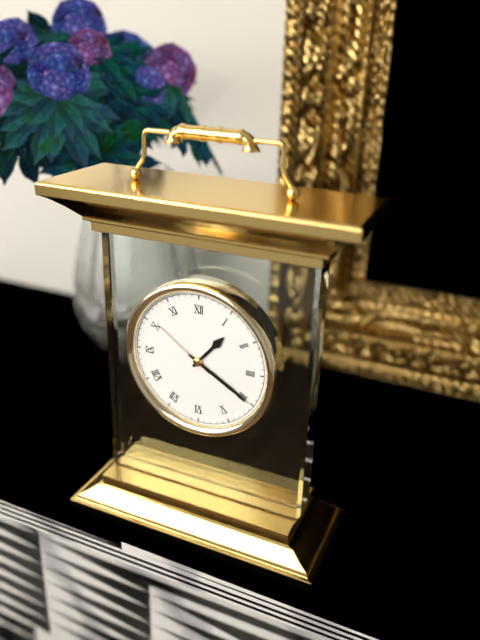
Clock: 1:20:51
